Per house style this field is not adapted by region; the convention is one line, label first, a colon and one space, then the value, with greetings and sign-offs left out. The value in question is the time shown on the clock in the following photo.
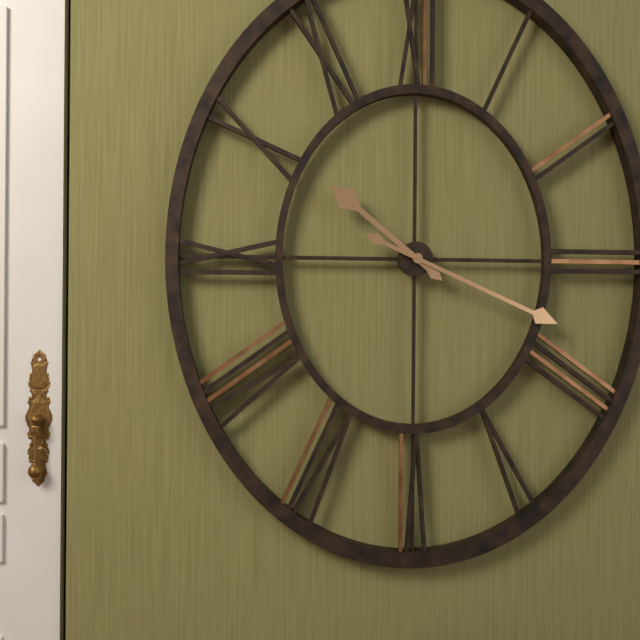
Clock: 10:19
